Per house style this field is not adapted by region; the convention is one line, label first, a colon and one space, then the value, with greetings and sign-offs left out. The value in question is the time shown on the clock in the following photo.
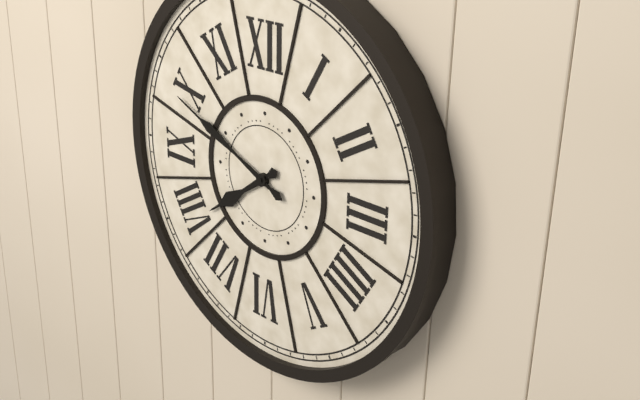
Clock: 7:49
